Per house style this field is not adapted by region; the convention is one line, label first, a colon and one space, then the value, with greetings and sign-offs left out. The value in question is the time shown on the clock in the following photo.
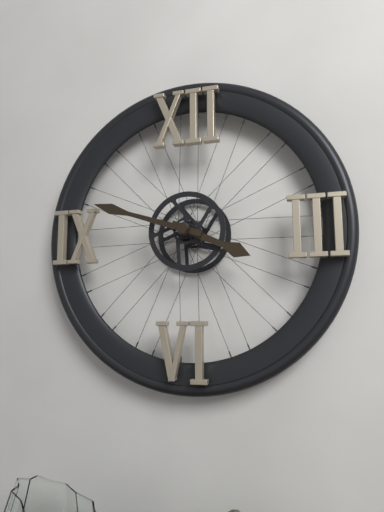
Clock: 3:48
